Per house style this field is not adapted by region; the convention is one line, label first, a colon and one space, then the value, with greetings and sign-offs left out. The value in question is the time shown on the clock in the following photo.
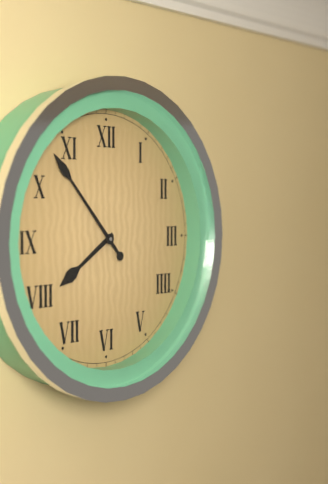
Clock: 7:53
